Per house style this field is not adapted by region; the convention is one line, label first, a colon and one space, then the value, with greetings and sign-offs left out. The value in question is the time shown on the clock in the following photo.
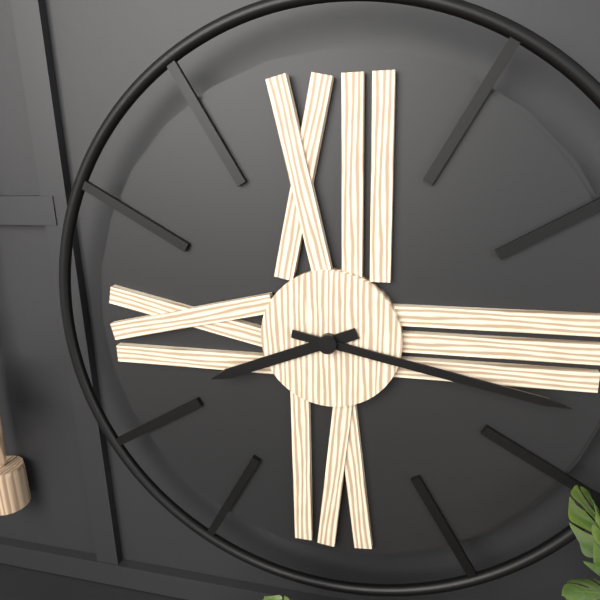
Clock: 8:17
